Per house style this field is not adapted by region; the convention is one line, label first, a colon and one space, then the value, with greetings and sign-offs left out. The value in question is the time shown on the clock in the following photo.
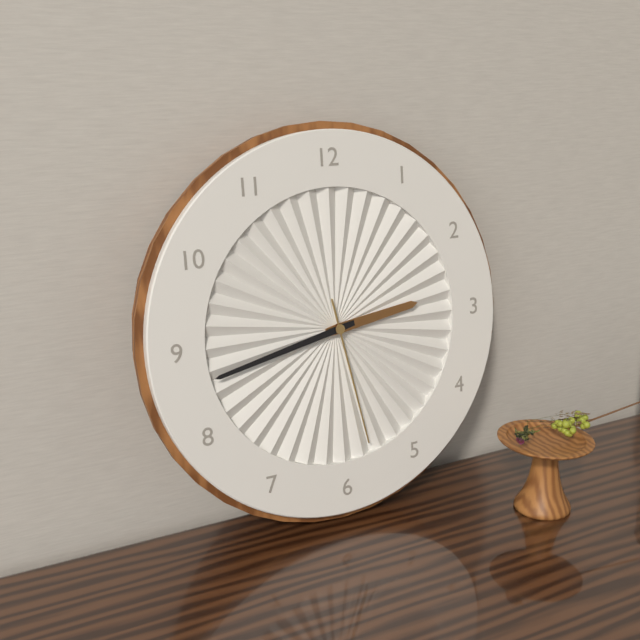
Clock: 2:43:28
